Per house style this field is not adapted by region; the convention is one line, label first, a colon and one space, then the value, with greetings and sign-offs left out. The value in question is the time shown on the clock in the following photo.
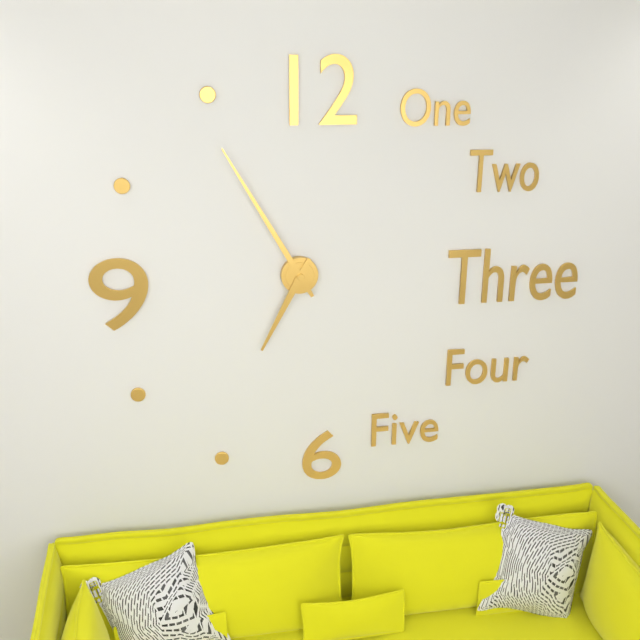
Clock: 6:55
